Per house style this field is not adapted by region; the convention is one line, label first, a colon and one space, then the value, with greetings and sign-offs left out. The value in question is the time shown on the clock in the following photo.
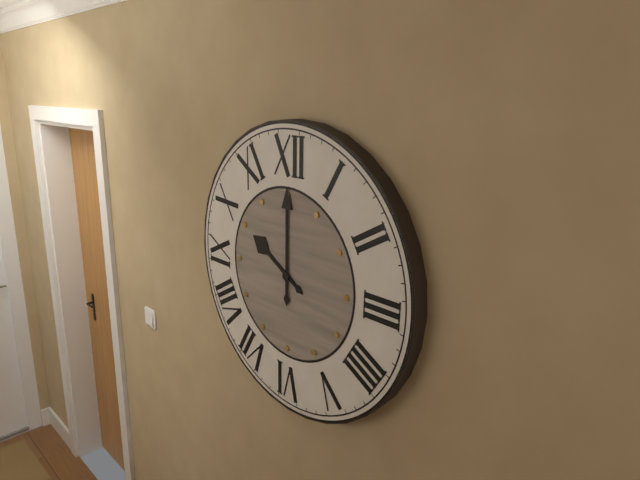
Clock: 10:00
